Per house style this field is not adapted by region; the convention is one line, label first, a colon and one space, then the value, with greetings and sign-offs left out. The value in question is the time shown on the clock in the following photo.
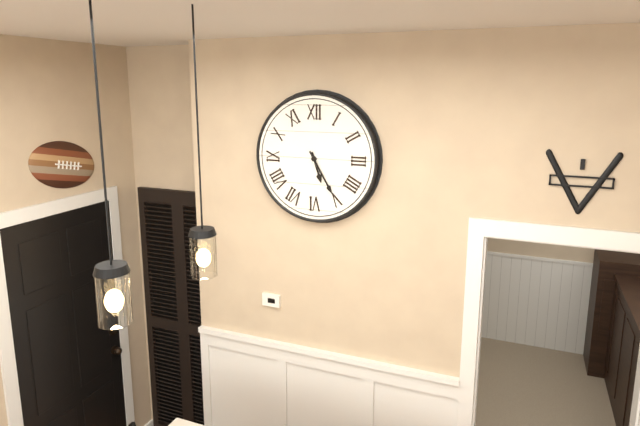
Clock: 5:25
